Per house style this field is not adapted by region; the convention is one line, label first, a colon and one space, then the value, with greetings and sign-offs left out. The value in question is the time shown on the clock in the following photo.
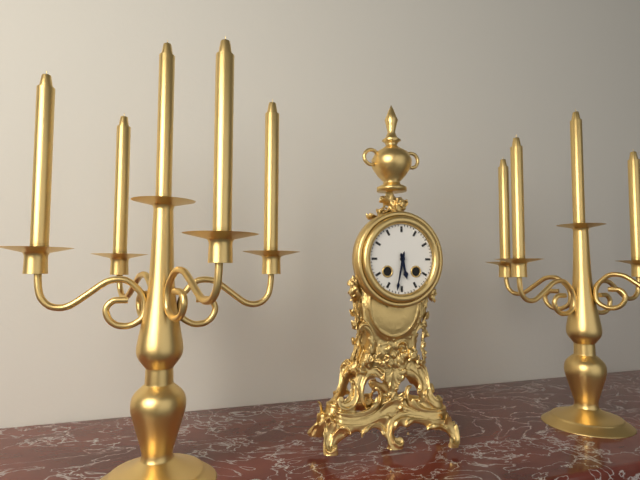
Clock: 5:32
